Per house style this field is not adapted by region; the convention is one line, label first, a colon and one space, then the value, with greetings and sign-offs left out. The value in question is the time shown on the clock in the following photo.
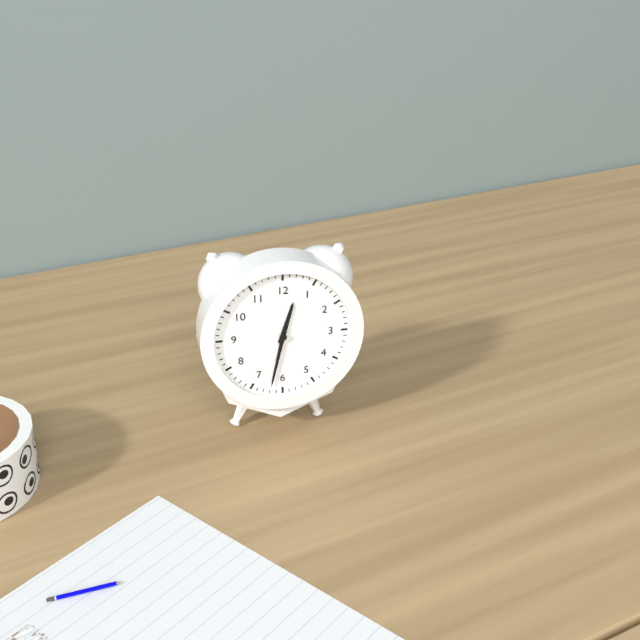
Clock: 12:32
